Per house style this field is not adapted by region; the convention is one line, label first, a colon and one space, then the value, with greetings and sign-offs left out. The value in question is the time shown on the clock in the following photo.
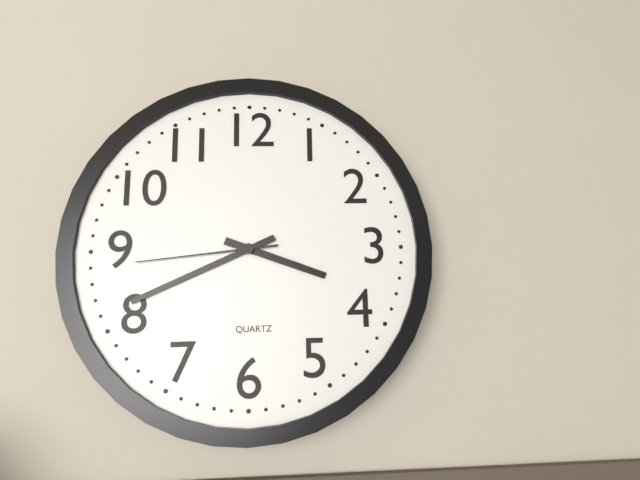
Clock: 3:41:44
